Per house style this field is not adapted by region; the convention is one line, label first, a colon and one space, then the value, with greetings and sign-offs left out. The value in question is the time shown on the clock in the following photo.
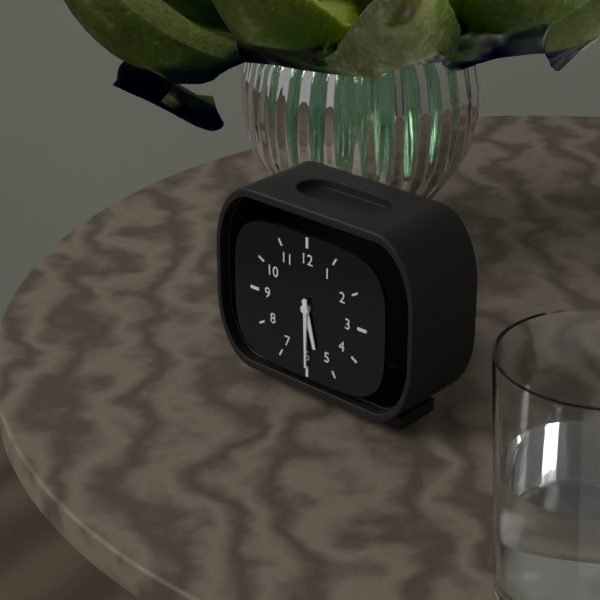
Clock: 5:30
